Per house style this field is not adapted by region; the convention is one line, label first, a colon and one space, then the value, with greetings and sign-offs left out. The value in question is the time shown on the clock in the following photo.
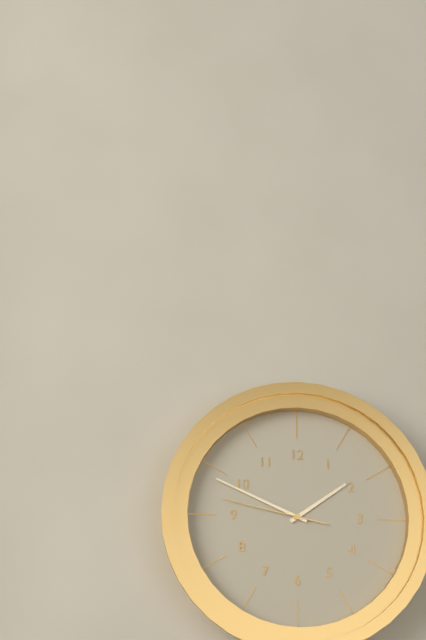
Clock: 1:49:47
